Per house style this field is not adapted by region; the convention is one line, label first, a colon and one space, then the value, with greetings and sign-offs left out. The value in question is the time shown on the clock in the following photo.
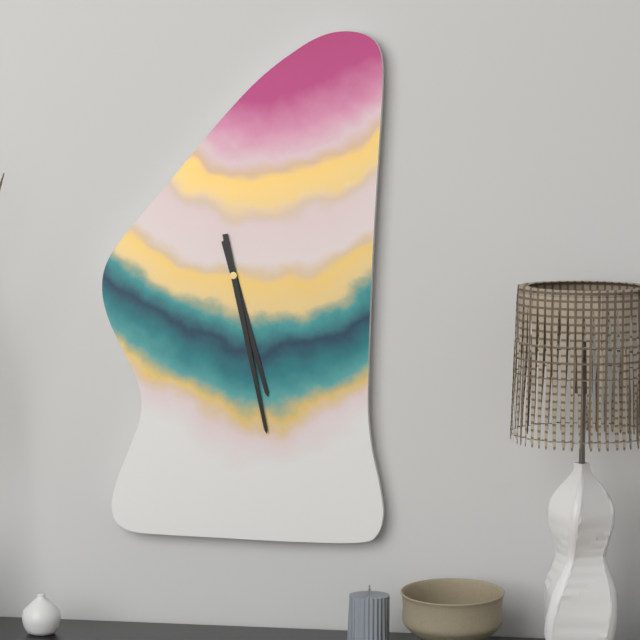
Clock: 5:28
